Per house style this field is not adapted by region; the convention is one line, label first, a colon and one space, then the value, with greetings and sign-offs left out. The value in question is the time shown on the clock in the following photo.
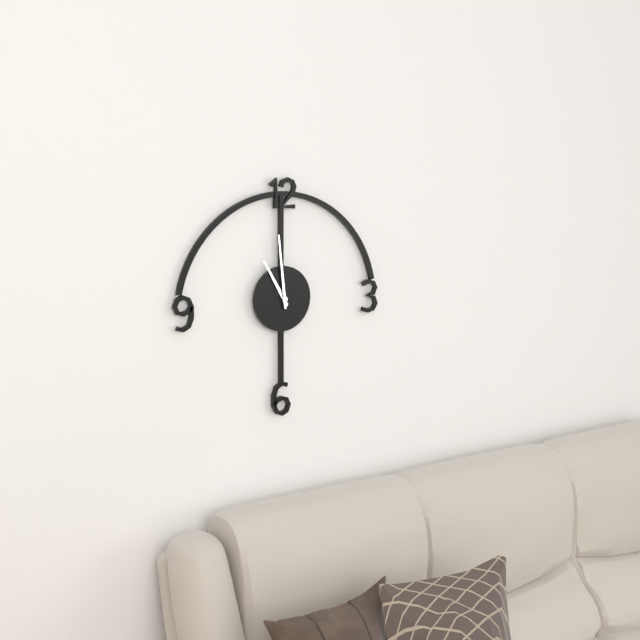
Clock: 10:59
